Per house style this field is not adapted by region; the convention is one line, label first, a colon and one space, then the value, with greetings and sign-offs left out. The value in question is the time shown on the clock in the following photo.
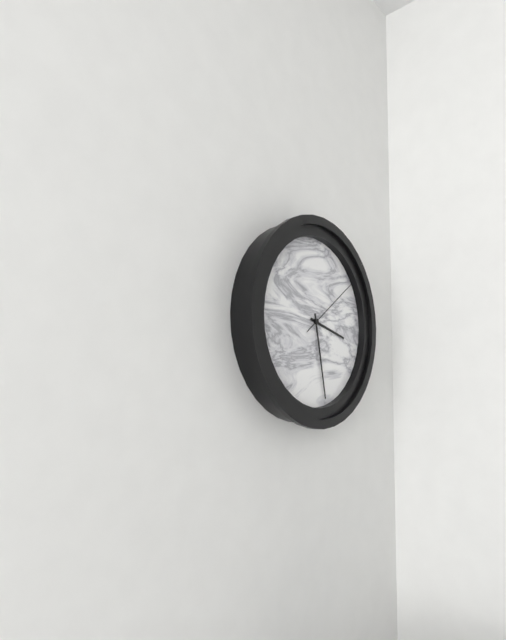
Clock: 3:28:09
